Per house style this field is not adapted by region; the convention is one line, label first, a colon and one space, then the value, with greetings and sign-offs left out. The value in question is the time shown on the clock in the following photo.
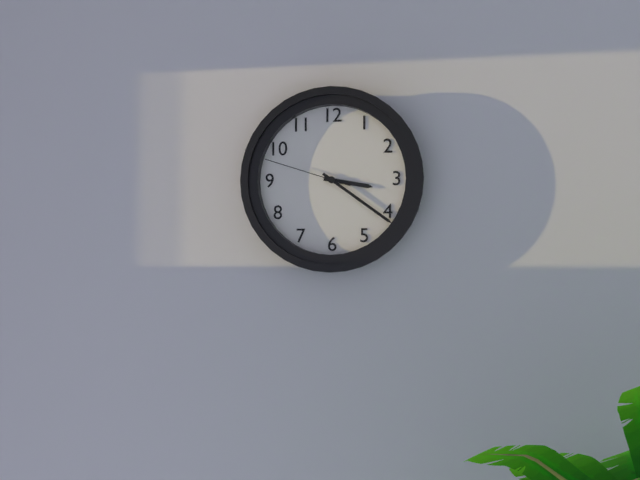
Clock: 3:21:48
